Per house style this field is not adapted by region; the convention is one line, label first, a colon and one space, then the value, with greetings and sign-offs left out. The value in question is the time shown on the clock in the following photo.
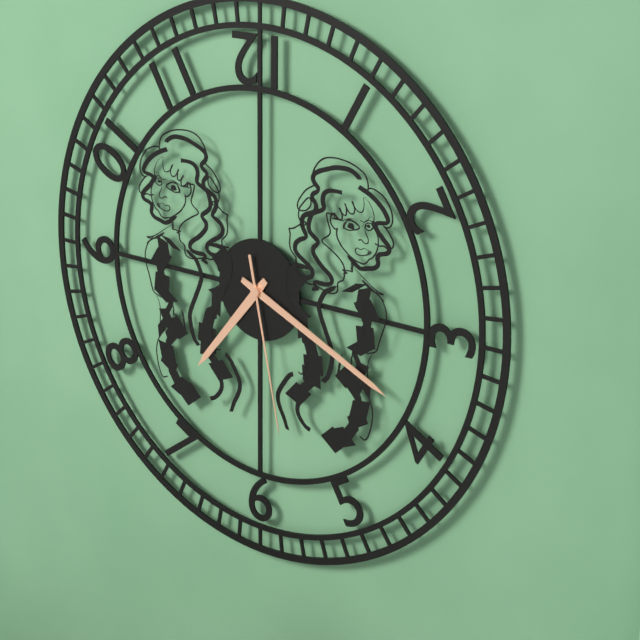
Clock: 7:19:28
